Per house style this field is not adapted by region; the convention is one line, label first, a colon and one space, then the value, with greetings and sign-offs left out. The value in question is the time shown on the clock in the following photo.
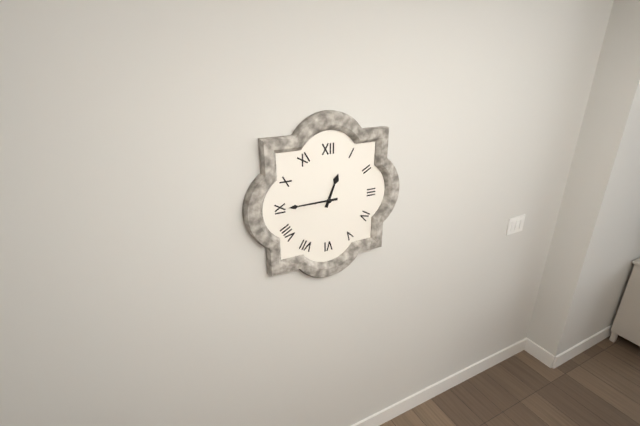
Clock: 12:45
